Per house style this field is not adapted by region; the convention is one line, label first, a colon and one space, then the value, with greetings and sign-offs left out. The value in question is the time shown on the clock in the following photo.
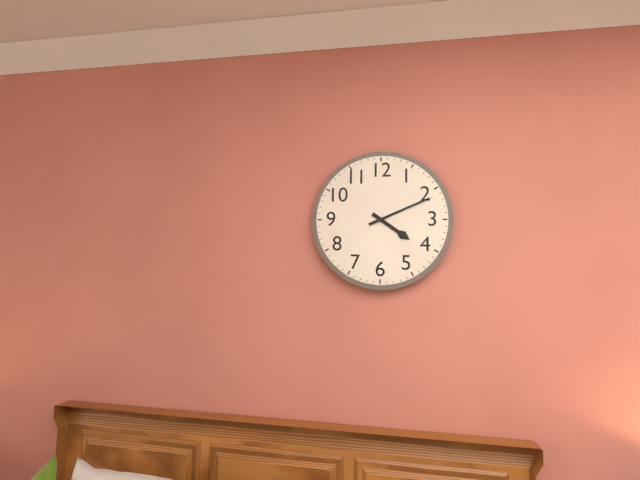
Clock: 4:11
